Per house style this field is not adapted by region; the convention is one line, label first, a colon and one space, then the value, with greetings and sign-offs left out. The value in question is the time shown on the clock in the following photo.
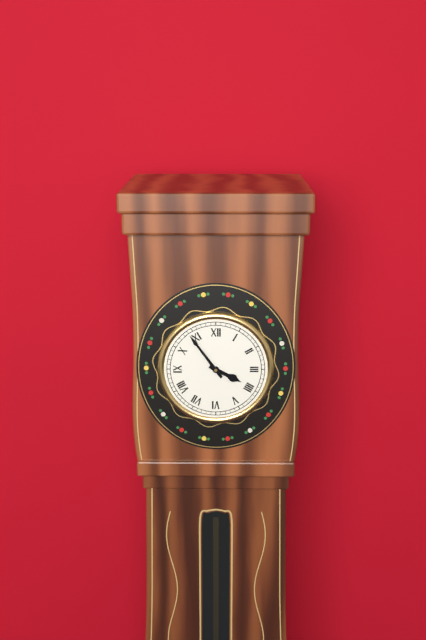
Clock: 3:54
